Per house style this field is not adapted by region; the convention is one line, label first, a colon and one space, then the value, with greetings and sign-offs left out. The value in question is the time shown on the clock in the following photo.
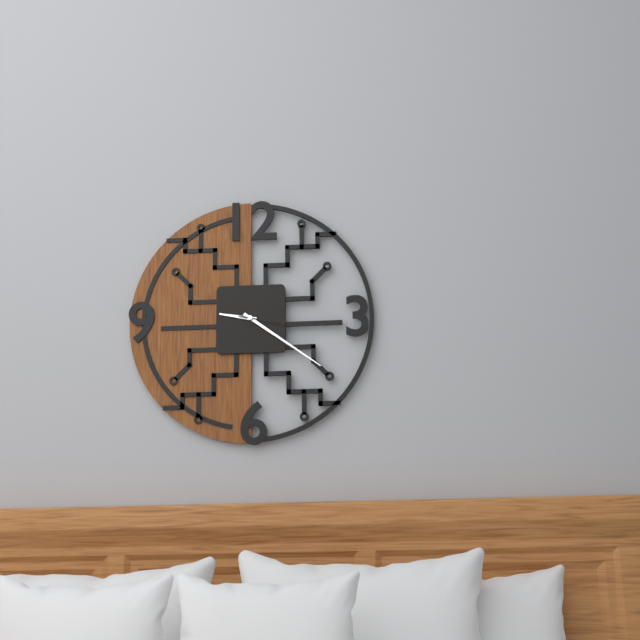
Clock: 9:21:17
